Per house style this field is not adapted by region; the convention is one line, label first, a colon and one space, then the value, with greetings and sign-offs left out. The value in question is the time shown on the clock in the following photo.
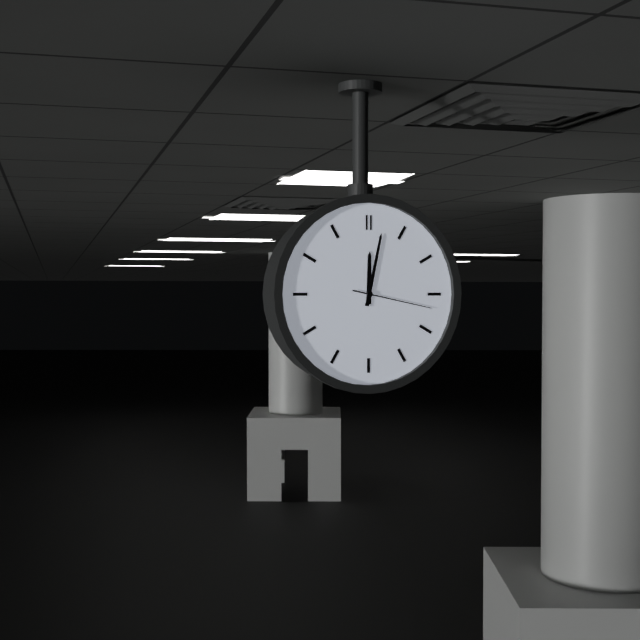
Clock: 12:02:17
